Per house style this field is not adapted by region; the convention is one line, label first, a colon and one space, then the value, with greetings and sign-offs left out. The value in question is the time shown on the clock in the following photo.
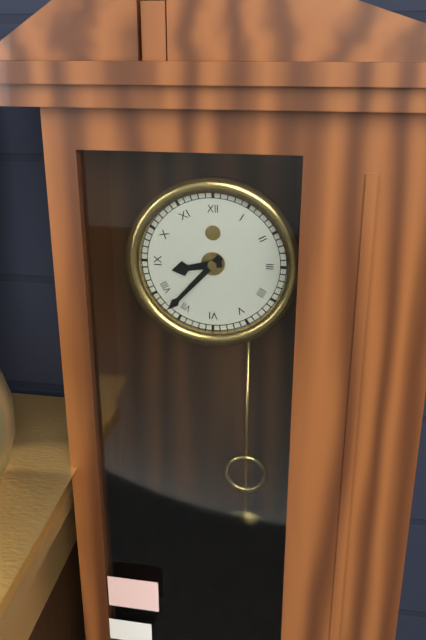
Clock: 8:37
